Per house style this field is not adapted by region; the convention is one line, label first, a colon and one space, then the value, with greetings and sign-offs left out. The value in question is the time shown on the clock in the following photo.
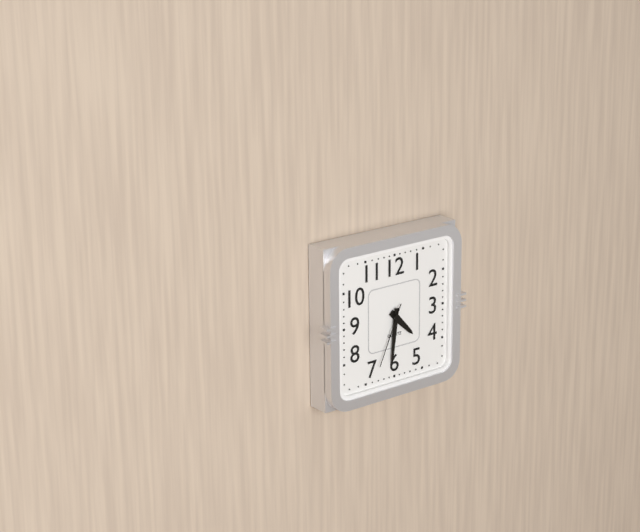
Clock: 4:31:34
